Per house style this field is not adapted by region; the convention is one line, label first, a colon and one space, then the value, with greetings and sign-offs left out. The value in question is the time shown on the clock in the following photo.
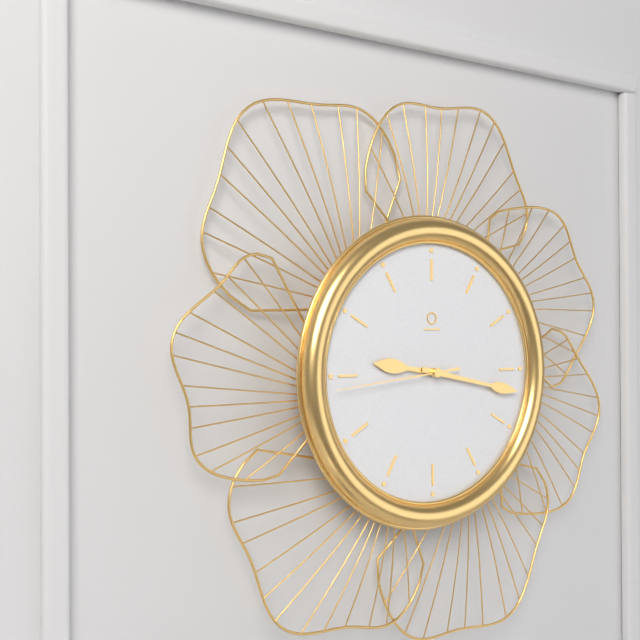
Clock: 9:17:44
